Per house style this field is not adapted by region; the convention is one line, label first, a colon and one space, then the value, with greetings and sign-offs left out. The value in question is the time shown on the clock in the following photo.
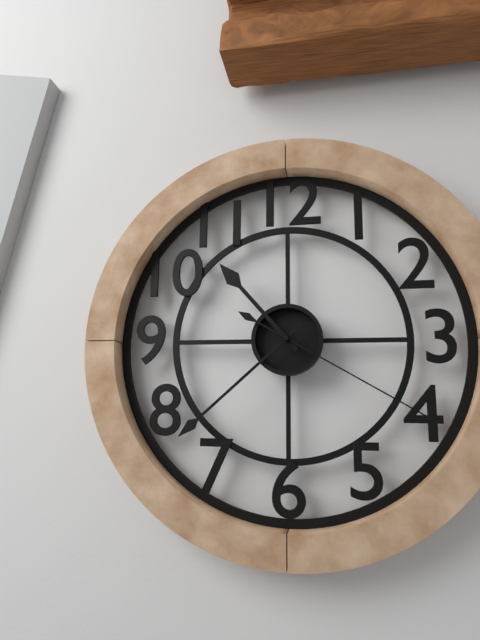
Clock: 10:38:20
